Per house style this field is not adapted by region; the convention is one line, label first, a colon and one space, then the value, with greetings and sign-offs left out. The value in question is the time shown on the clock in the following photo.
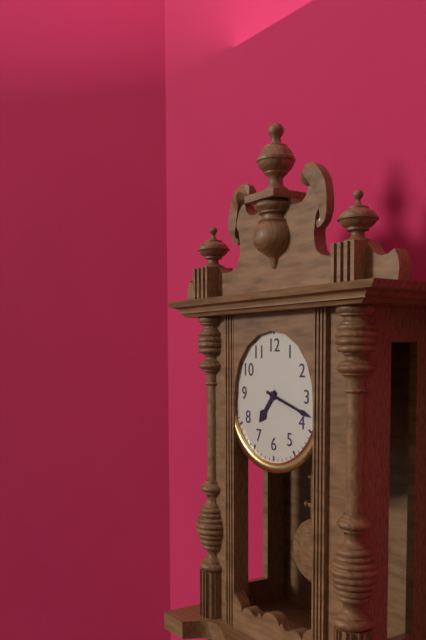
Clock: 7:18
